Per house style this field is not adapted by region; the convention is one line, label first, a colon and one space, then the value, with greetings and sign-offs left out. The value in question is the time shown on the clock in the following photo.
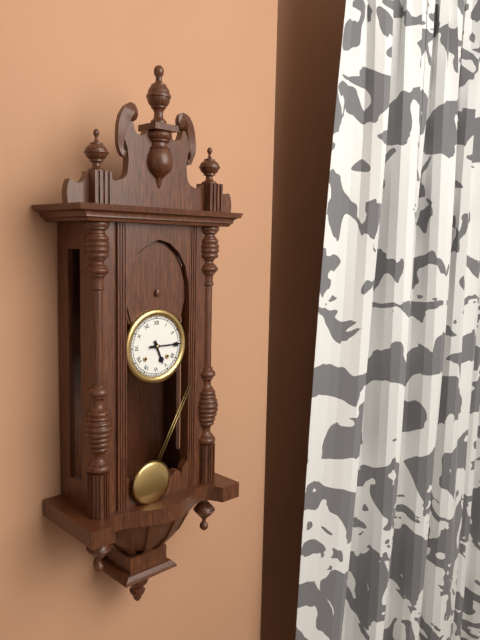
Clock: 5:15
